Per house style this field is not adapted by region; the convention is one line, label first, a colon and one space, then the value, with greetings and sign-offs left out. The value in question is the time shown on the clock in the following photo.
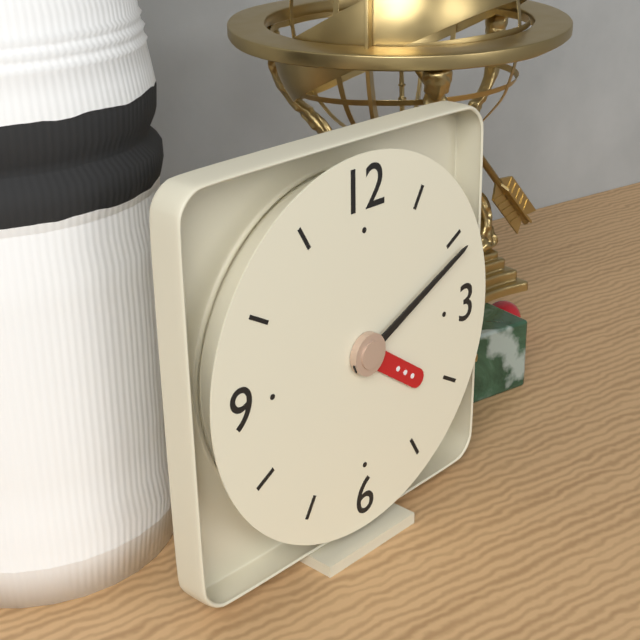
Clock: 4:11
